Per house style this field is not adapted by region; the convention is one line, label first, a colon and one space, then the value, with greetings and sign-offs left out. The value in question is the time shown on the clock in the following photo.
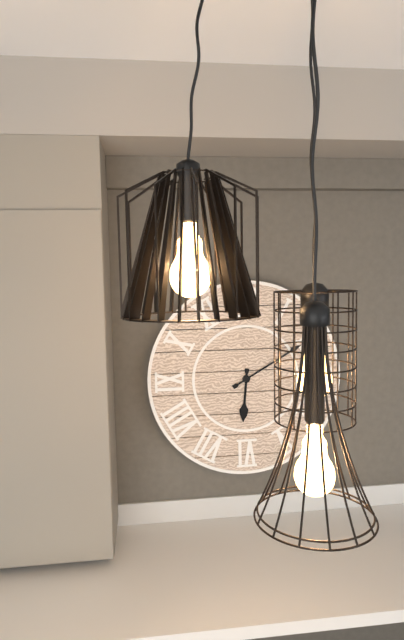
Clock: 6:10
